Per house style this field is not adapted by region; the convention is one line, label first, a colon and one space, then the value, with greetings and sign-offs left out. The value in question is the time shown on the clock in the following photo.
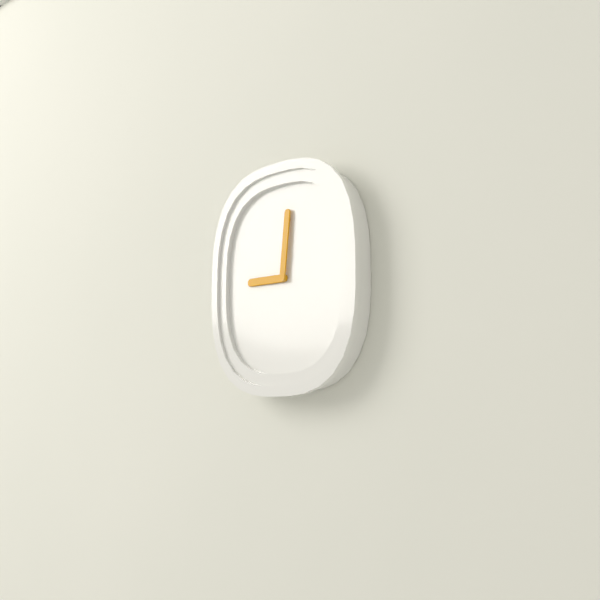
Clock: 9:01
